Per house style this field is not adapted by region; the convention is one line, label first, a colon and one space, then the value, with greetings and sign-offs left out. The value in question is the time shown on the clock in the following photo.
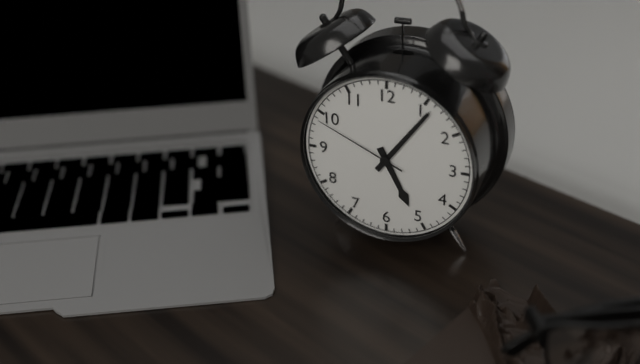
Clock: 5:06:49
